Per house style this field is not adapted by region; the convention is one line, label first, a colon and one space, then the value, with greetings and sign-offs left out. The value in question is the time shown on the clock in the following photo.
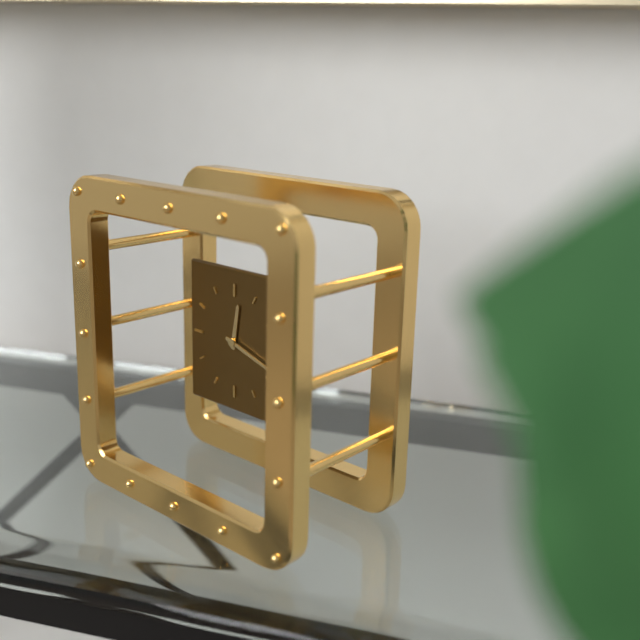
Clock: 12:18
